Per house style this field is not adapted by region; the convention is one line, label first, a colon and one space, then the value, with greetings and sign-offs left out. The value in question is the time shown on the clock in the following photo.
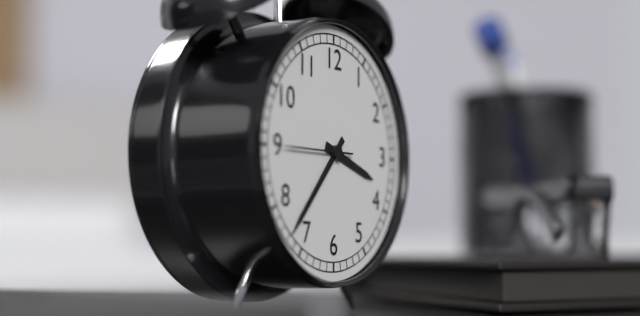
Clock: 3:37:45
